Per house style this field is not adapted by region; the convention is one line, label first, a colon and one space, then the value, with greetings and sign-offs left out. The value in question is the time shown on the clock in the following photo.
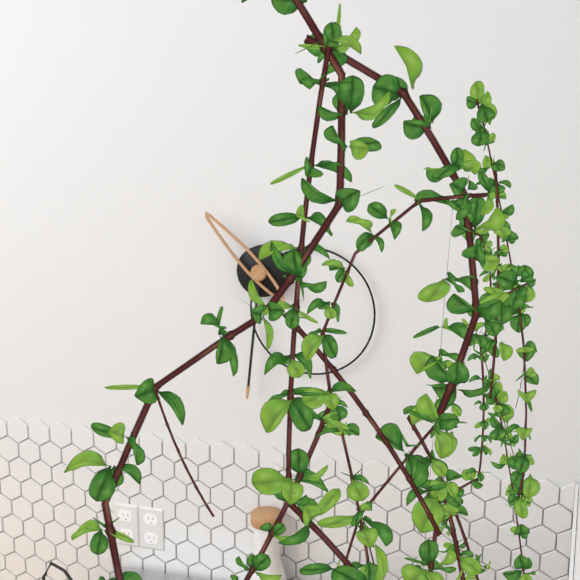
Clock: 10:31
